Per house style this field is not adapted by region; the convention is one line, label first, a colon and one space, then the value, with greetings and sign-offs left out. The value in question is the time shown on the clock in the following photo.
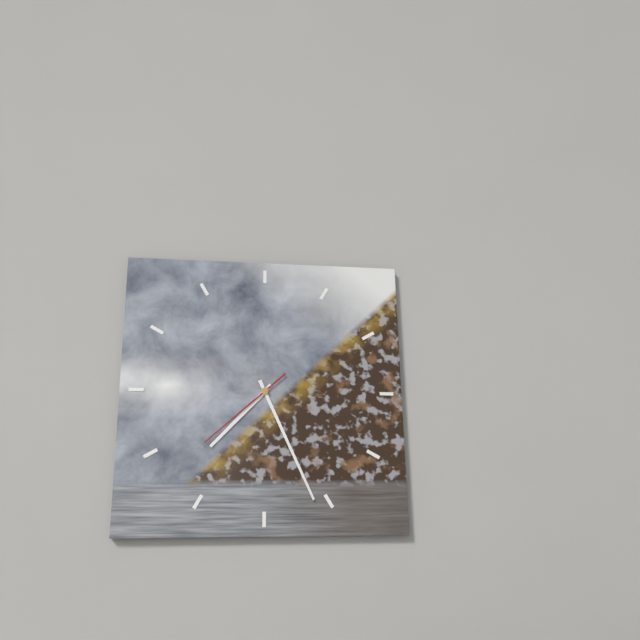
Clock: 7:26:38
